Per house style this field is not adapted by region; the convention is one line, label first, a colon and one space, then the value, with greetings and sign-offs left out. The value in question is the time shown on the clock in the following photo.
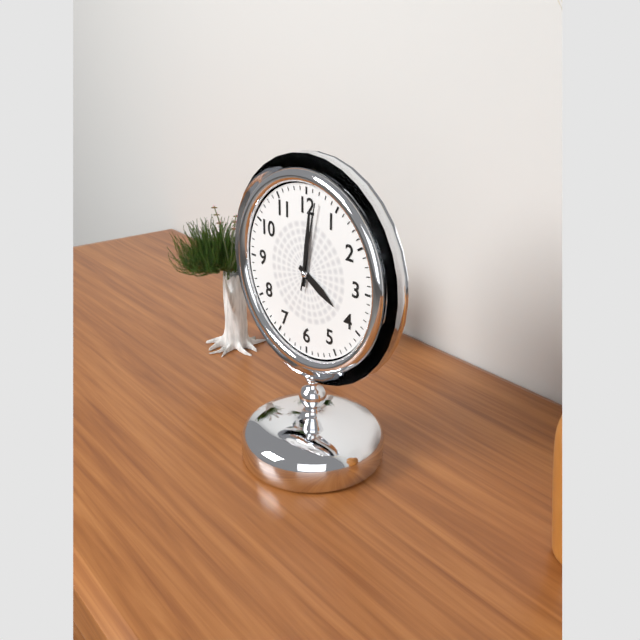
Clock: 4:01:02
